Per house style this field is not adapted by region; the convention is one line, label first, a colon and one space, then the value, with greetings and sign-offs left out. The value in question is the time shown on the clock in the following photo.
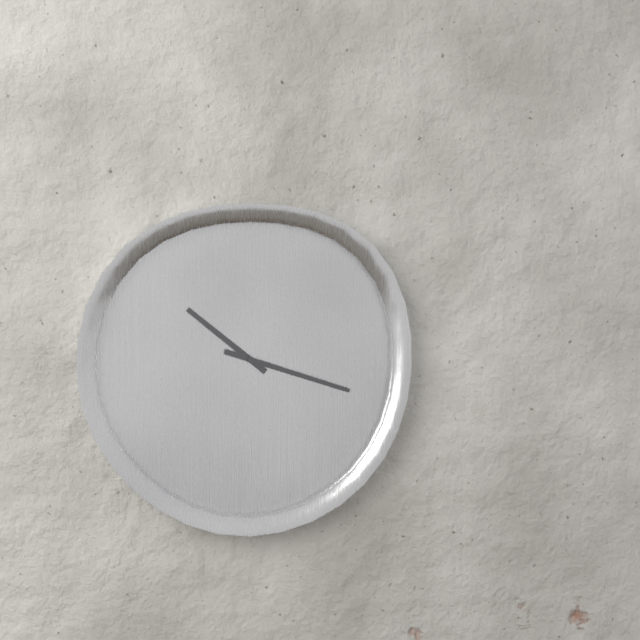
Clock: 10:18
